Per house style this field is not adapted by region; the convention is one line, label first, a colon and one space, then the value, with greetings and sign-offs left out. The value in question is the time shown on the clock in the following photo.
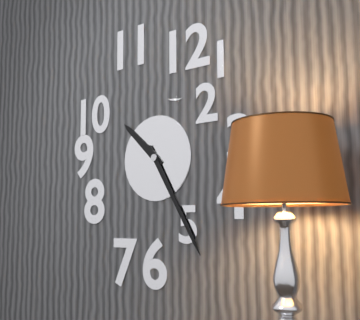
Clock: 10:25
